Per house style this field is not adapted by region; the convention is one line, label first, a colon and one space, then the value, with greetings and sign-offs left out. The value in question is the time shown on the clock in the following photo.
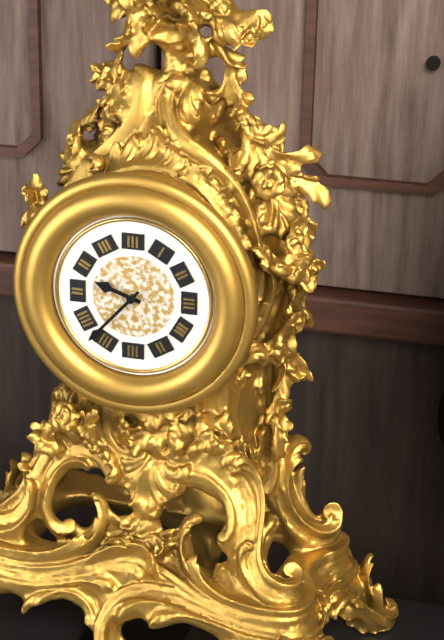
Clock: 9:37
